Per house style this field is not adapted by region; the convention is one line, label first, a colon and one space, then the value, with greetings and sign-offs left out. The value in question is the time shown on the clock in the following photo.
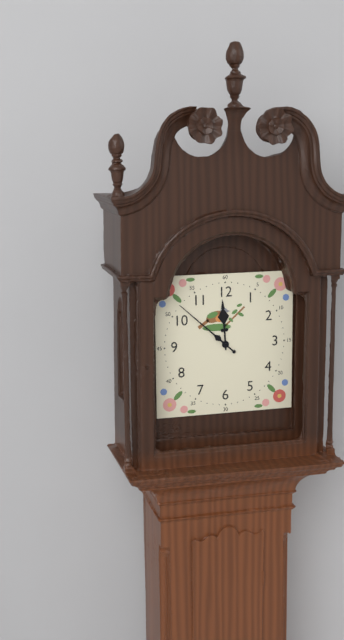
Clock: 11:52
